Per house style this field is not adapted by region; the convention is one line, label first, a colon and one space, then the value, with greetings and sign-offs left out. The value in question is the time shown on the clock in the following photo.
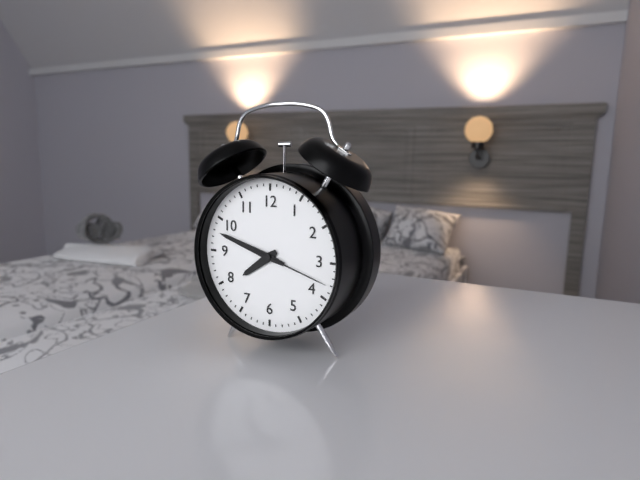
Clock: 7:48:18
